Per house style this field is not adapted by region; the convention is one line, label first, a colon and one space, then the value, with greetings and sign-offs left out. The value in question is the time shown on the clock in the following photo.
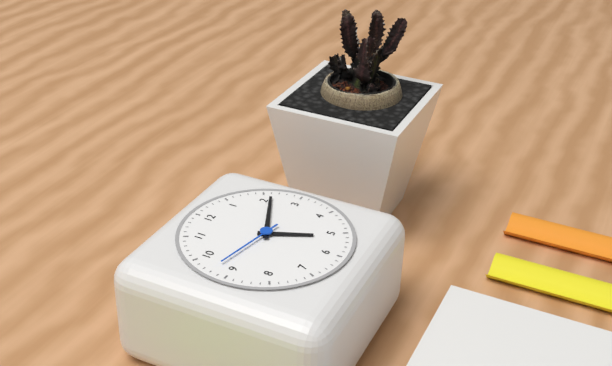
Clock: 5:11:47
